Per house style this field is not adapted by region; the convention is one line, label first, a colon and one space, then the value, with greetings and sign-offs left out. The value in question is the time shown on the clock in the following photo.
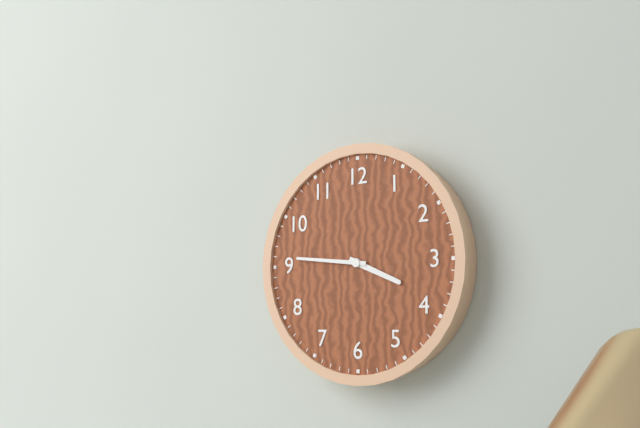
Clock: 3:46
